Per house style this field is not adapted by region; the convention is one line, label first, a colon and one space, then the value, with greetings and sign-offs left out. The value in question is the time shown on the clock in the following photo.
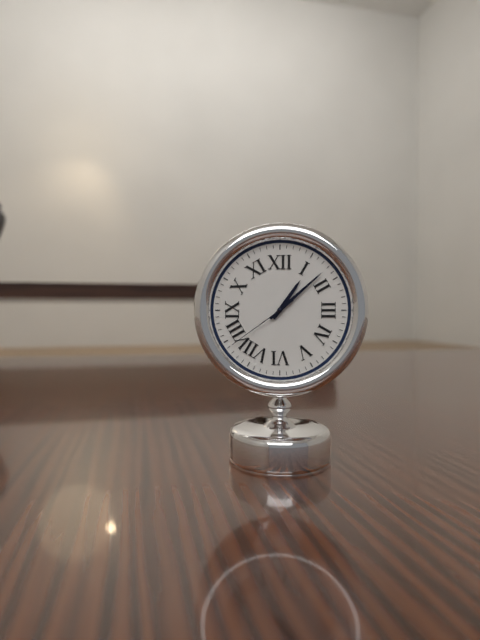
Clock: 1:08:39
